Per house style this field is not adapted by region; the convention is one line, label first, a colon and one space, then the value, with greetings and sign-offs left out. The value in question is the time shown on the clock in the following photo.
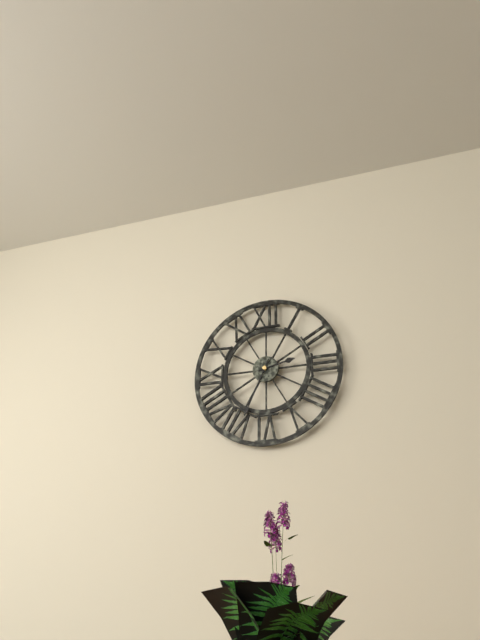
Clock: 2:34
